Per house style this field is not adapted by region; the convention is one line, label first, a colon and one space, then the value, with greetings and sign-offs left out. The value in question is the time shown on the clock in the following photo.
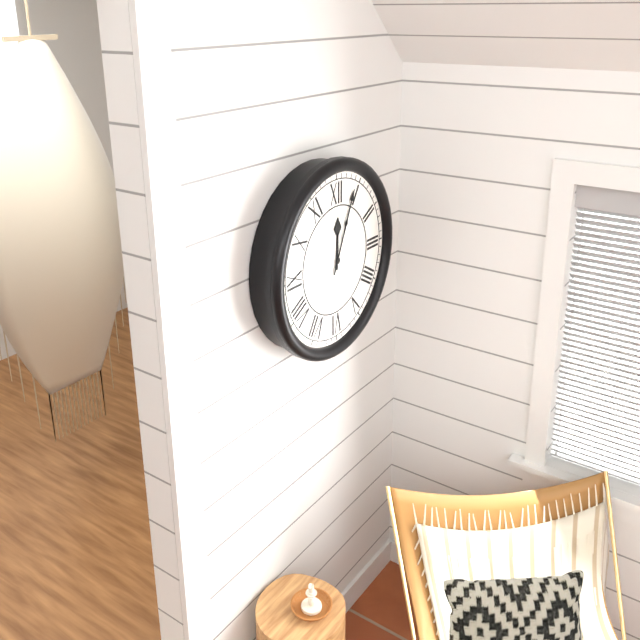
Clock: 12:04
